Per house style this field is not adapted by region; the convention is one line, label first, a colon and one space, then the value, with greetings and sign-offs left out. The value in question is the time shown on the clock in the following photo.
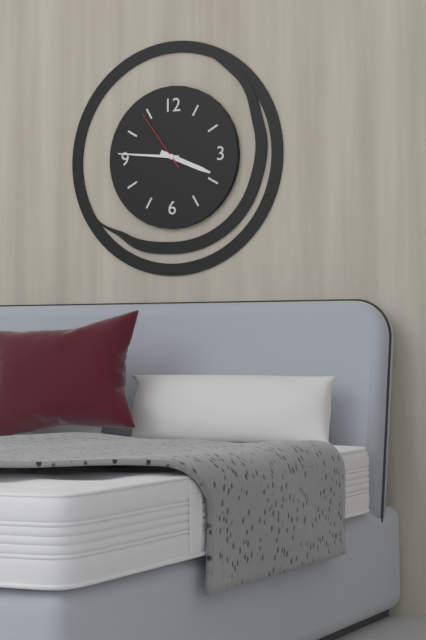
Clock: 3:46:54
